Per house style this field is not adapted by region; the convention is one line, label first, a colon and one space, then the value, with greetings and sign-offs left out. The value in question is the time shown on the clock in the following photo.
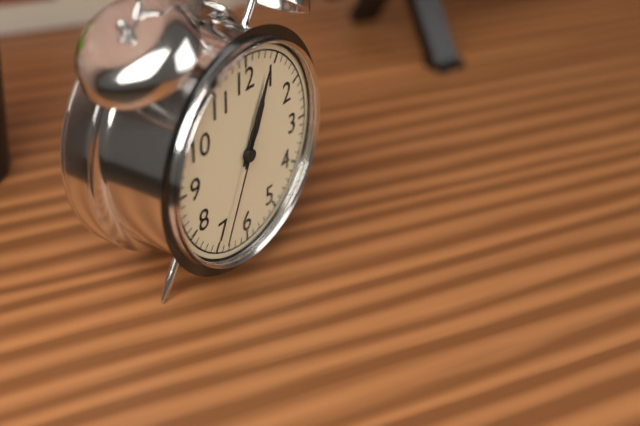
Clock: 1:04:34
